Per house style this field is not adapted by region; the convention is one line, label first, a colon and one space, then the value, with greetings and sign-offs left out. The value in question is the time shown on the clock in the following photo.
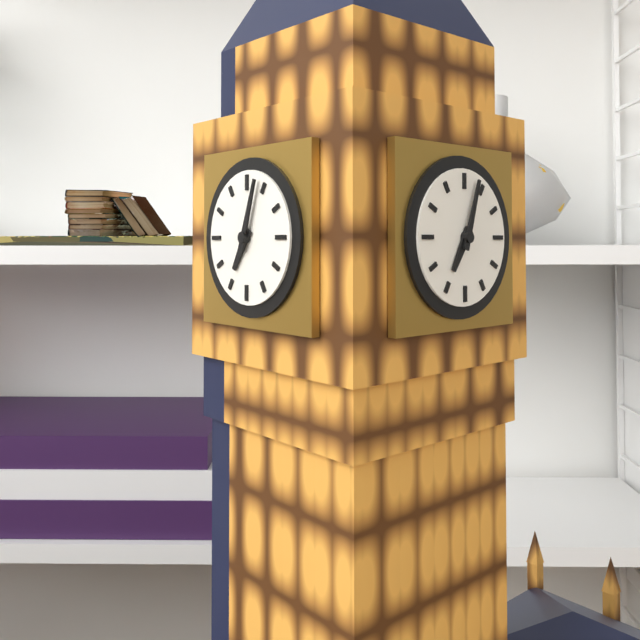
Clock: 7:03
